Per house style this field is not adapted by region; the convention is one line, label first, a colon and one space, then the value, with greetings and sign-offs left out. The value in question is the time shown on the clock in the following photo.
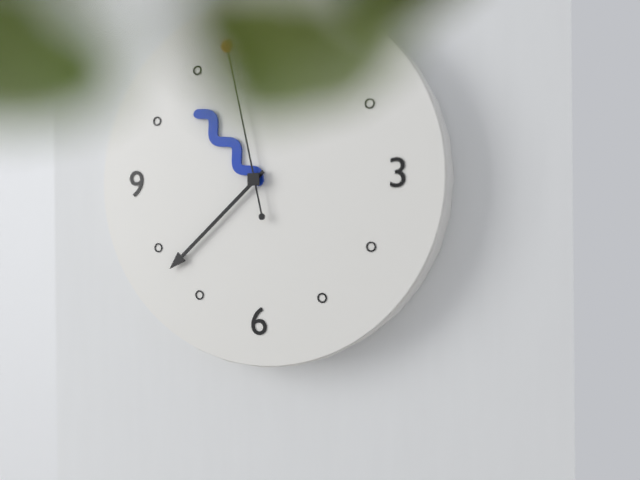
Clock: 10:38:58
